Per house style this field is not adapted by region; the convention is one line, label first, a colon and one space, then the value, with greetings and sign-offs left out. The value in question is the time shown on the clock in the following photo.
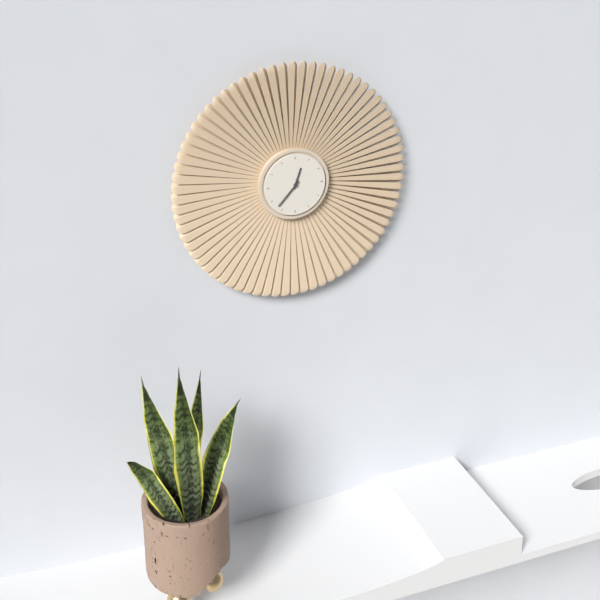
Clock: 12:37
